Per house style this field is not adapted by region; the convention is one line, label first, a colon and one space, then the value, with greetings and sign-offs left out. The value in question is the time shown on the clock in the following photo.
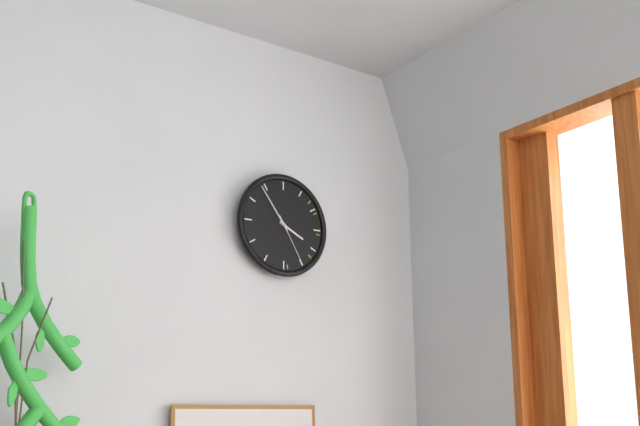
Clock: 3:54:25
